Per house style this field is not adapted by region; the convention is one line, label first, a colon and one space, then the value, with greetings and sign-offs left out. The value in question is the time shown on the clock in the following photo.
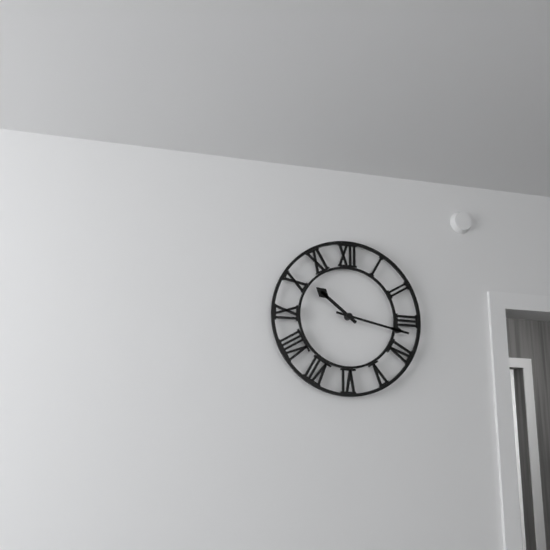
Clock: 10:17
